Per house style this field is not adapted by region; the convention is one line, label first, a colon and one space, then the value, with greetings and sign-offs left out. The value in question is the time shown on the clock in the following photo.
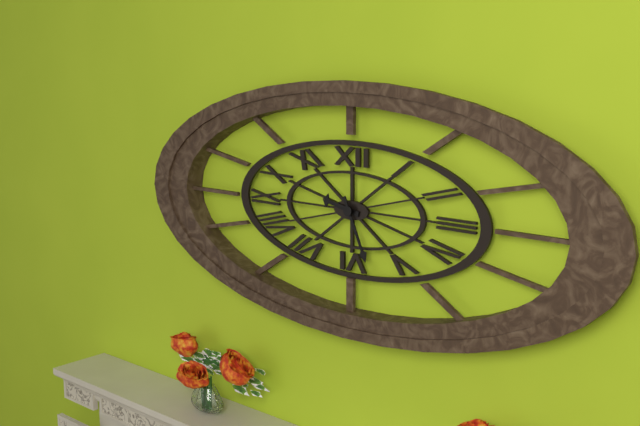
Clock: 9:26
